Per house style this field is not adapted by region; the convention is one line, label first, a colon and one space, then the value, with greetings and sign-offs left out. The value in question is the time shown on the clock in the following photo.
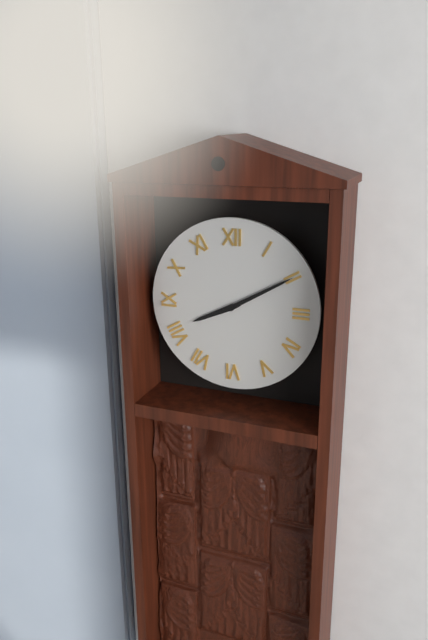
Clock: 8:10
